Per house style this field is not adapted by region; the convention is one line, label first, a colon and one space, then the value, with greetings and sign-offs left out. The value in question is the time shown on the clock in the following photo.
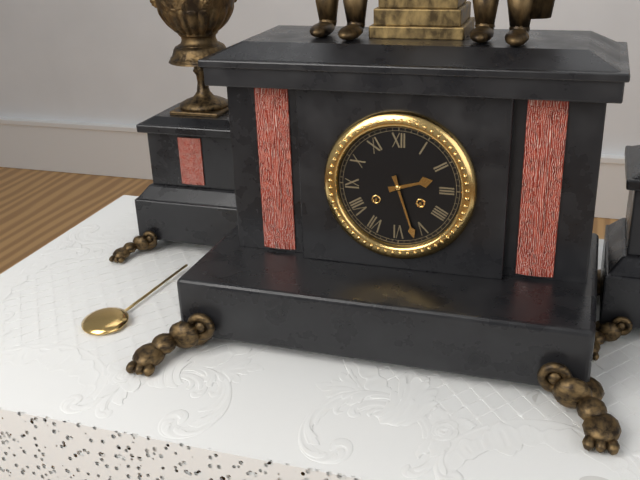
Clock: 2:27
